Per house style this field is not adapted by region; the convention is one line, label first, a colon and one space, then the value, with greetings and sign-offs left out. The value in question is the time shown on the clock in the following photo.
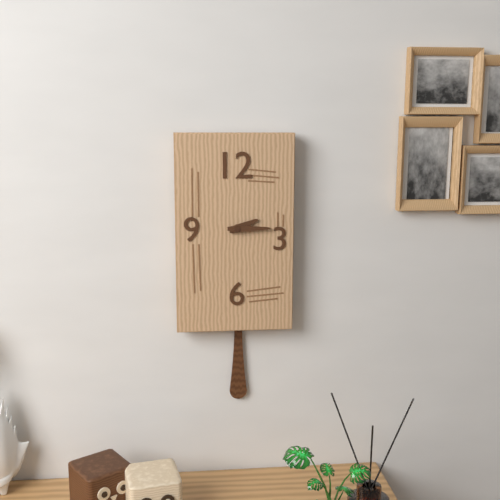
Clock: 2:15
